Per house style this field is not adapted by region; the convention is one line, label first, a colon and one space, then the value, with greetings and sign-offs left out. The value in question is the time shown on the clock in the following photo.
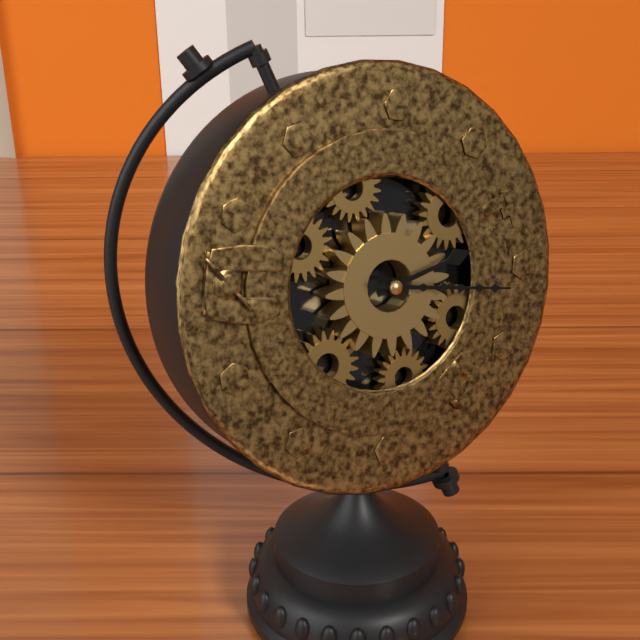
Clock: 2:15
